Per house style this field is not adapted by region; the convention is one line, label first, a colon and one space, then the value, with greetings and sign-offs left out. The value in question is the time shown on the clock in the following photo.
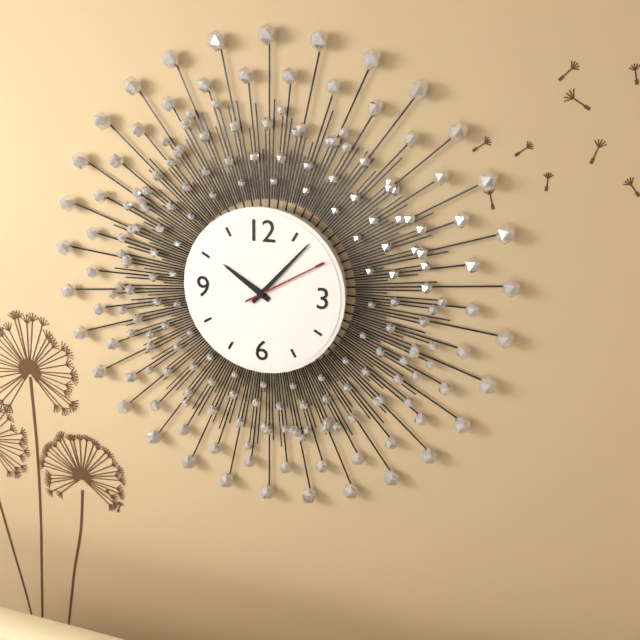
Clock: 10:07:10
